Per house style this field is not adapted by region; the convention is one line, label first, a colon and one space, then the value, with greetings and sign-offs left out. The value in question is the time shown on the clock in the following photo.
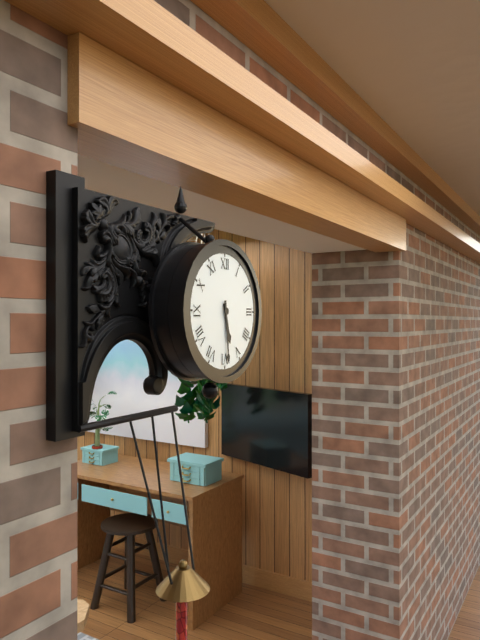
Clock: 5:29
